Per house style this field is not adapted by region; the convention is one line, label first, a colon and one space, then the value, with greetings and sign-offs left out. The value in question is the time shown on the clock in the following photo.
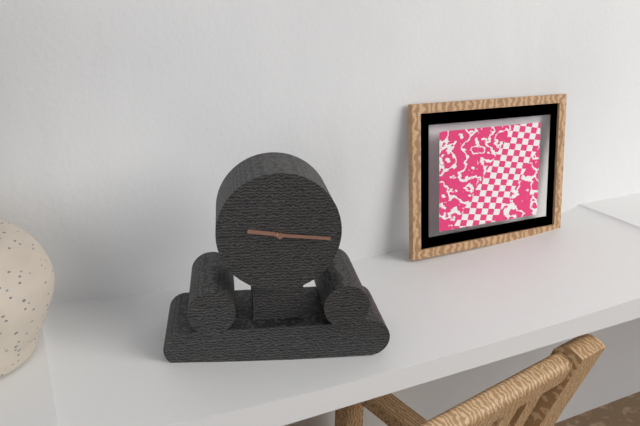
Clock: 9:16
